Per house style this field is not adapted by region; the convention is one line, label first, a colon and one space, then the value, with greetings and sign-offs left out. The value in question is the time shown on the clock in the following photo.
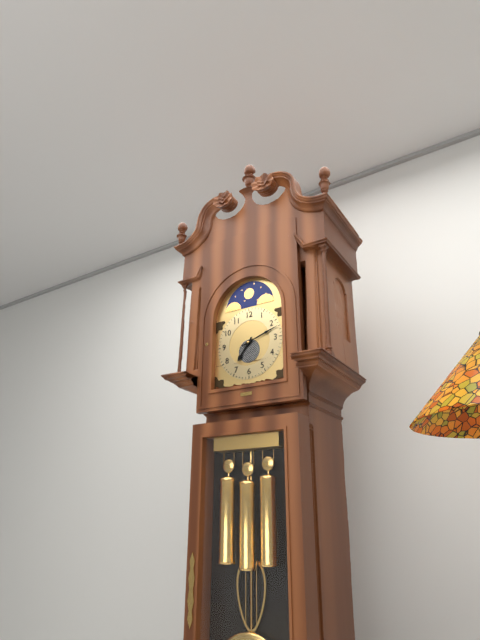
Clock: 7:12
